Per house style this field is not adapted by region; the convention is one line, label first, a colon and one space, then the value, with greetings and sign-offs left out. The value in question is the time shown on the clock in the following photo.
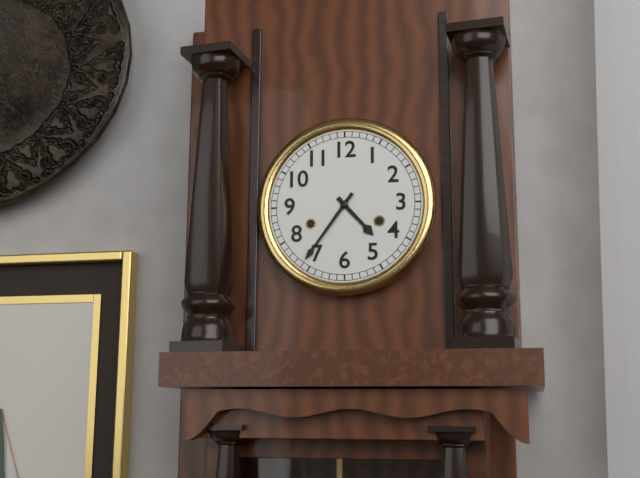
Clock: 4:36
